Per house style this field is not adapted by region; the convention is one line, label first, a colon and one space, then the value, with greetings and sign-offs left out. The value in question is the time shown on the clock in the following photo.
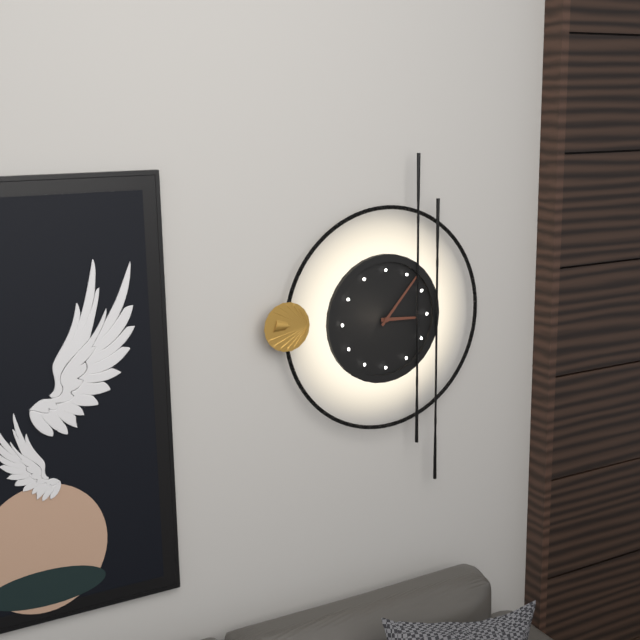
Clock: 3:07
